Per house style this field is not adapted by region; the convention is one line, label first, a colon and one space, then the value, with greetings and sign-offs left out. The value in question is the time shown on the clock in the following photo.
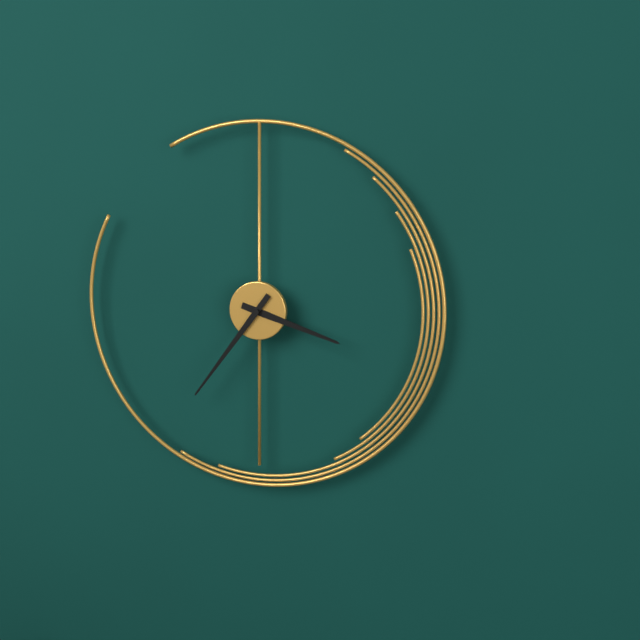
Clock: 3:36
